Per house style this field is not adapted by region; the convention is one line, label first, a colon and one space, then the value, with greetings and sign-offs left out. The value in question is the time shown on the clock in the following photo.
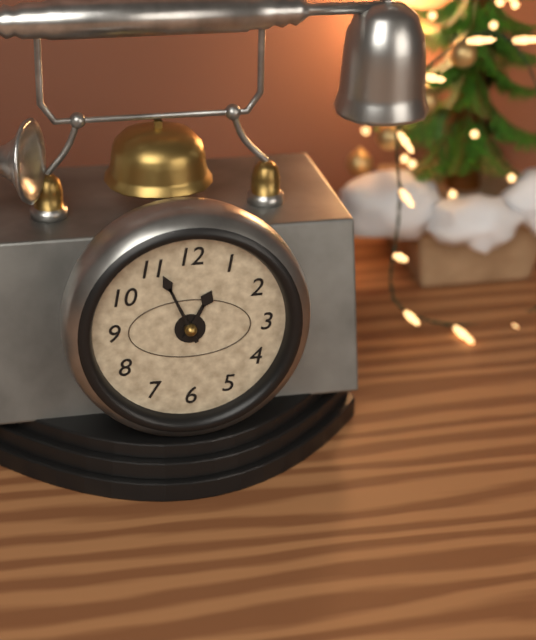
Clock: 12:56
